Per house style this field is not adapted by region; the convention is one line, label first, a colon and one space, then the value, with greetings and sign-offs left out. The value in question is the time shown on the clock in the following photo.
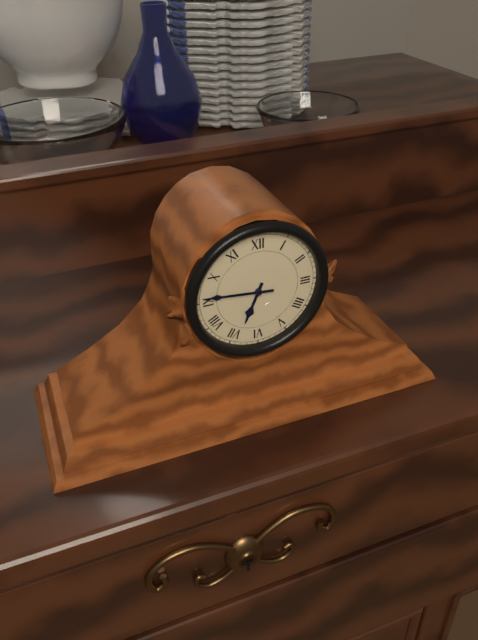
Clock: 6:46
